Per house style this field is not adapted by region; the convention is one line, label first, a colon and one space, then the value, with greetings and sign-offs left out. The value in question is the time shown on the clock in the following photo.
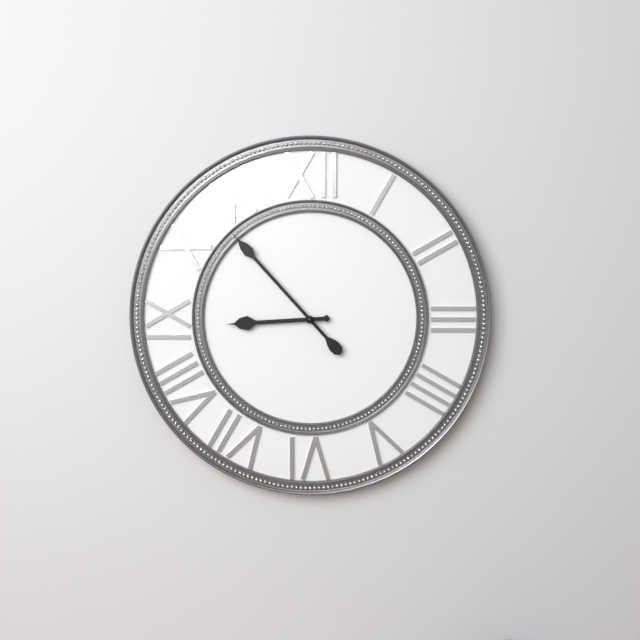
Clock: 8:53
